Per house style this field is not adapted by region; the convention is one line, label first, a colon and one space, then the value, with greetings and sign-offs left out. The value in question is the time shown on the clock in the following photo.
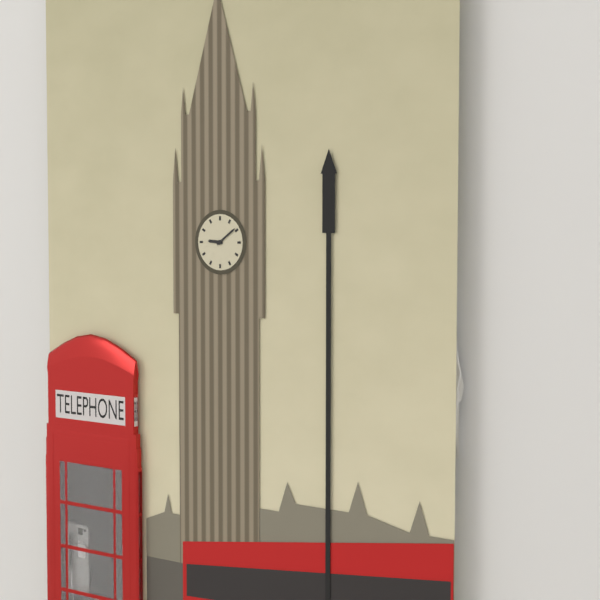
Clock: 9:09
